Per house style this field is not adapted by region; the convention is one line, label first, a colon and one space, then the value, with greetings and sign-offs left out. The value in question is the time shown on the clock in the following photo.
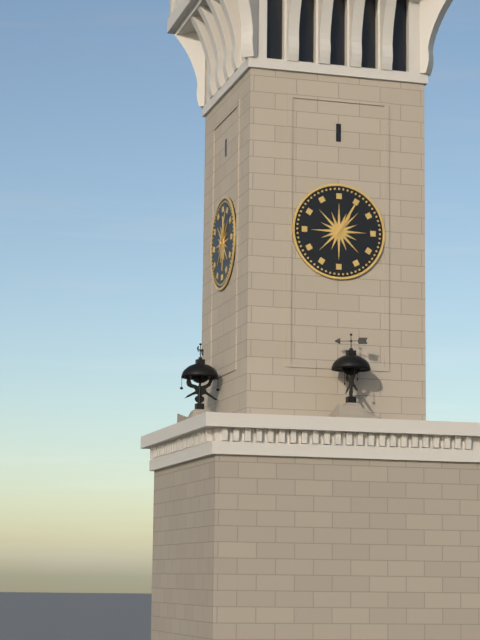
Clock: 1:05
